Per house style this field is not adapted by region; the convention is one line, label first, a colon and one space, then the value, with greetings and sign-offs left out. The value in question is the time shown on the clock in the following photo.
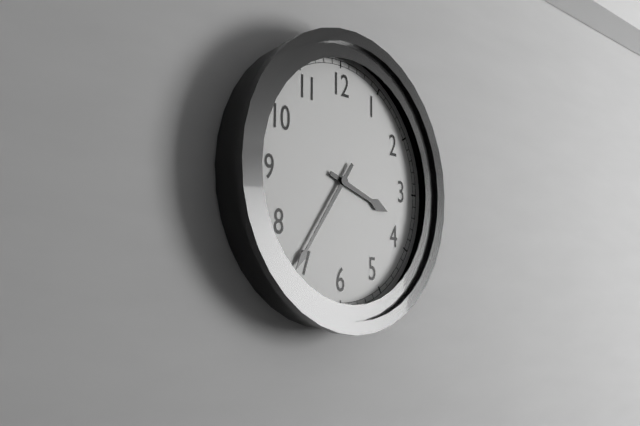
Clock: 3:36
